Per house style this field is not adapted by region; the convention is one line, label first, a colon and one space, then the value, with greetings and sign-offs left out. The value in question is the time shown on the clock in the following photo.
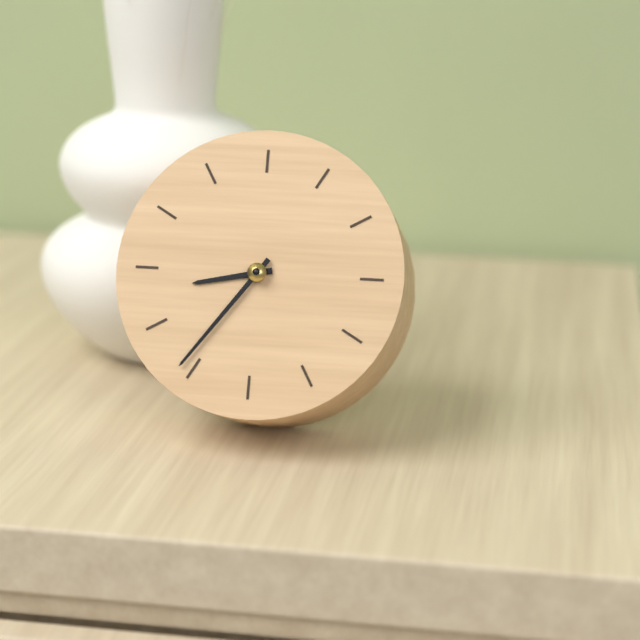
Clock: 8:36
